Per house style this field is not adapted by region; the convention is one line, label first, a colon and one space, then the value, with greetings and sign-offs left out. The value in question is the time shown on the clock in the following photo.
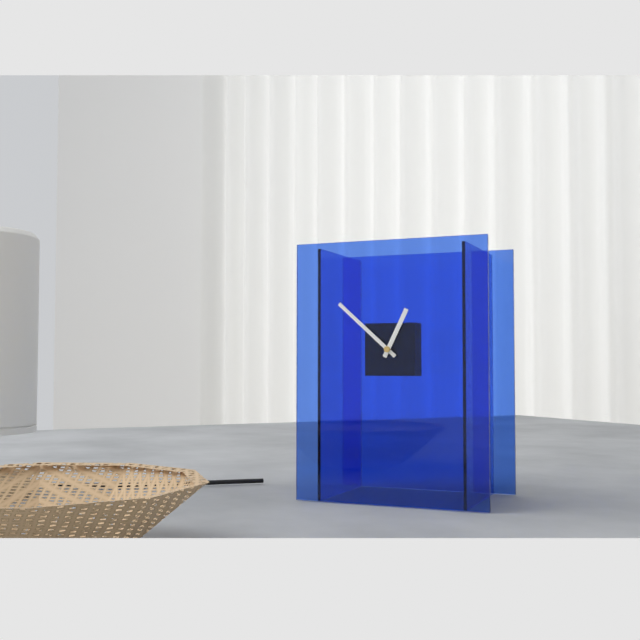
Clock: 12:52
